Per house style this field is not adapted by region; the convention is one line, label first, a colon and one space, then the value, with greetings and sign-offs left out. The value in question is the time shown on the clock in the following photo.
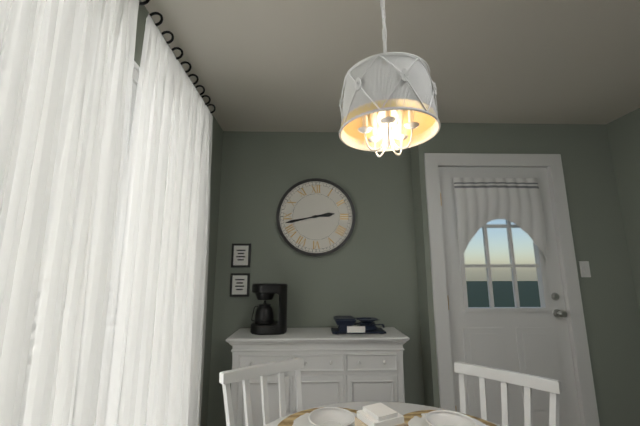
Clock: 2:43
